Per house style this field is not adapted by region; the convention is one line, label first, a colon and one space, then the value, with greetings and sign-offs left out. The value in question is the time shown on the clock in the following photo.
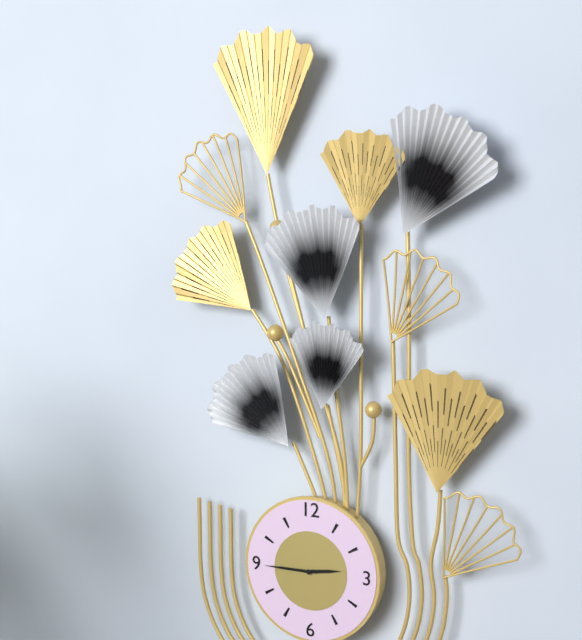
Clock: 2:45
